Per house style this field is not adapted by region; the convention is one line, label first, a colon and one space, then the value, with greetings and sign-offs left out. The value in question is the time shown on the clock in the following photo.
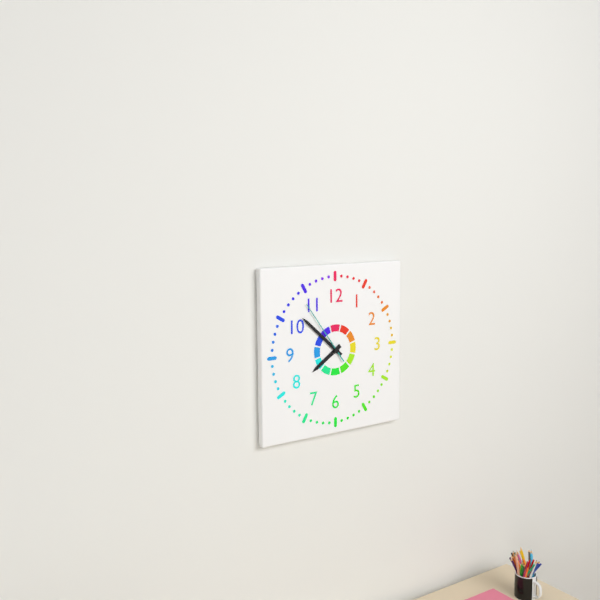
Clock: 7:52:54
